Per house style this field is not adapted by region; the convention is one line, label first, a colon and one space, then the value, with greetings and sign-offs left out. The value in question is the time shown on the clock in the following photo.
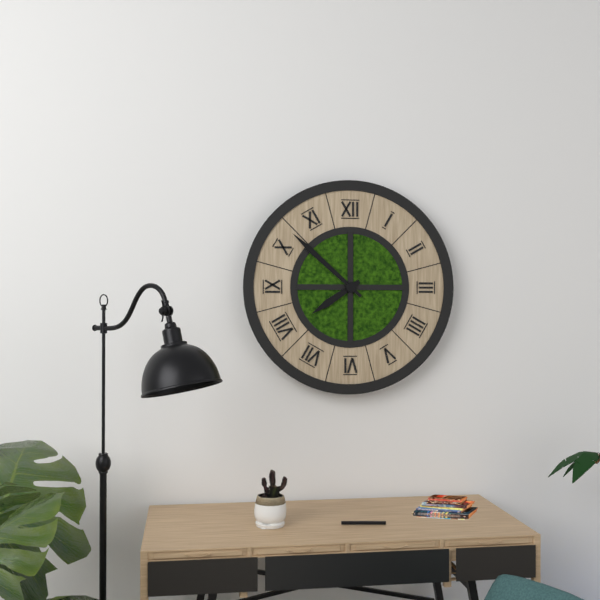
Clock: 7:52
